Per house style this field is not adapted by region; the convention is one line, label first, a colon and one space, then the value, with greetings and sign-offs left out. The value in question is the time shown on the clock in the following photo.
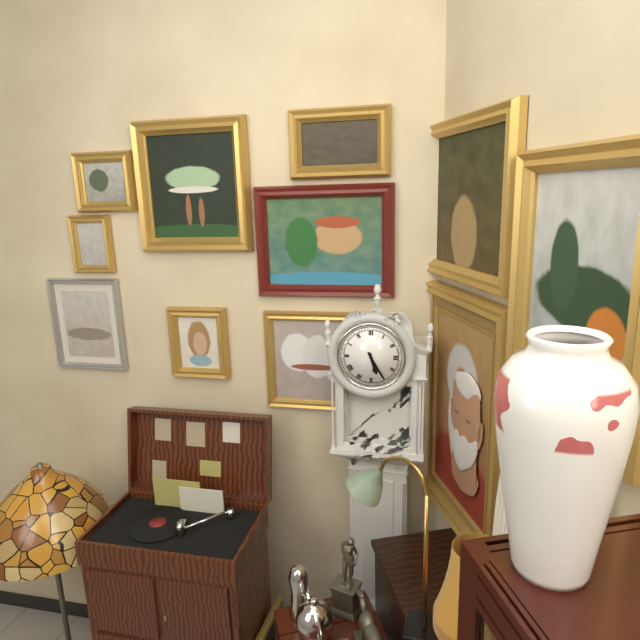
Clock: 5:25
